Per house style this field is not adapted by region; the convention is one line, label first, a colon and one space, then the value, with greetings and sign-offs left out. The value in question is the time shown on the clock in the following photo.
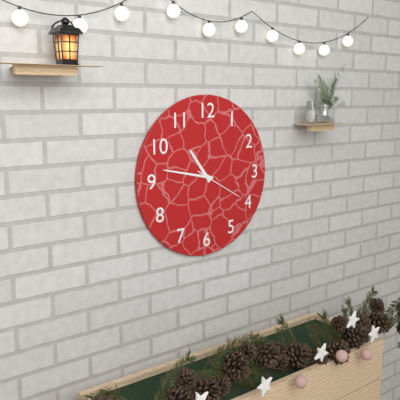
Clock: 10:47
